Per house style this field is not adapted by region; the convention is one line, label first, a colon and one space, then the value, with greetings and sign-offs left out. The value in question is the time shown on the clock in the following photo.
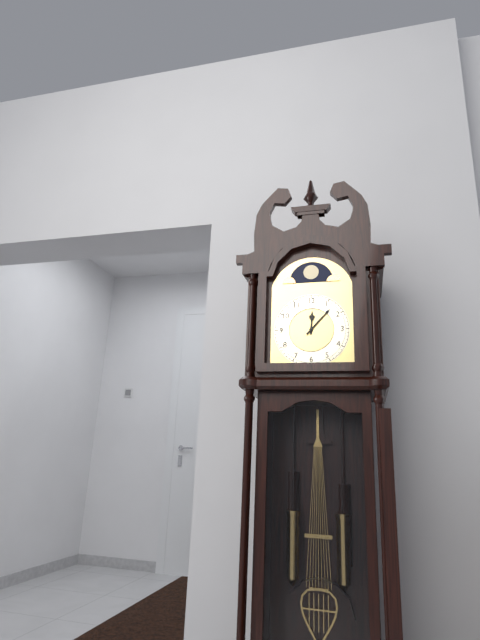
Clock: 12:07
